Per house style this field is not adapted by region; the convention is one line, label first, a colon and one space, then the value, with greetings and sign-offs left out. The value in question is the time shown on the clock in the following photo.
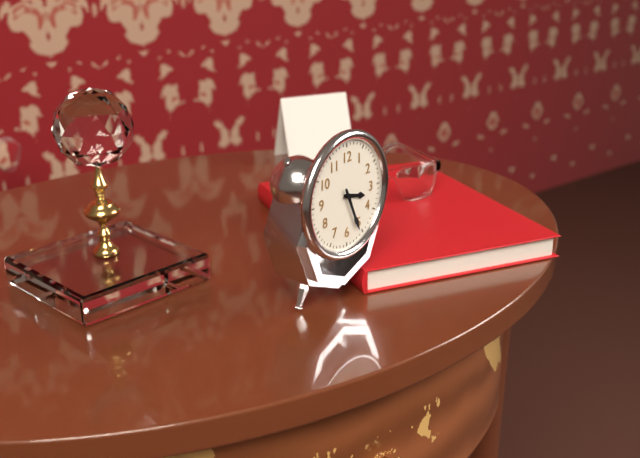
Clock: 3:26
